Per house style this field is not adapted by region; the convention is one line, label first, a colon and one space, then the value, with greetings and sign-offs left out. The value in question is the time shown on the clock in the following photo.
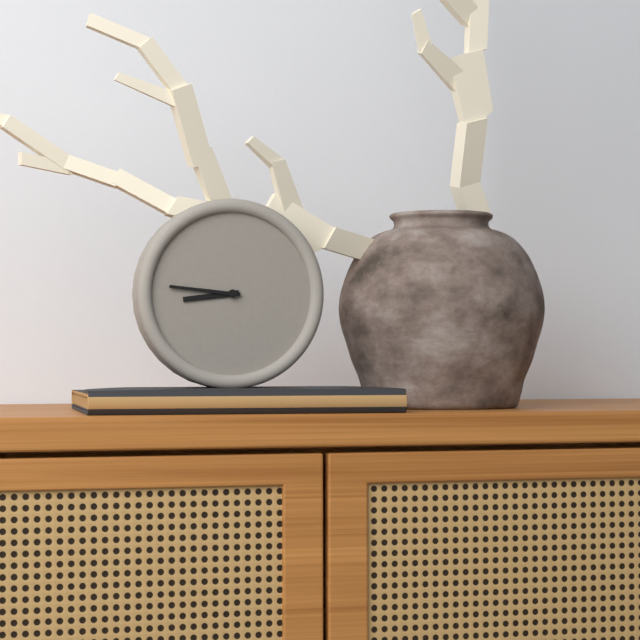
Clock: 8:46
